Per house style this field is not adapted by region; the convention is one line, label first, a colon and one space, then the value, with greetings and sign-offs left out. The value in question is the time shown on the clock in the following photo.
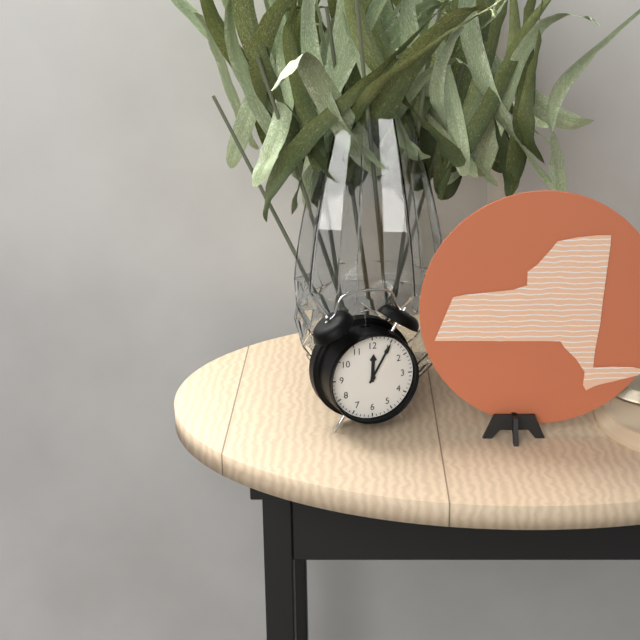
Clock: 12:05
